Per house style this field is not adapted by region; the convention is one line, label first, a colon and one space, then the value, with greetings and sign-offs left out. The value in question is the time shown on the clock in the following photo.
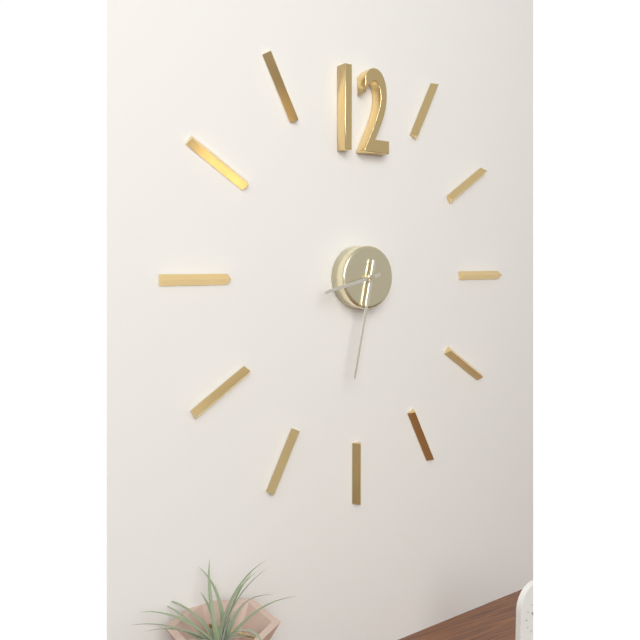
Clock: 8:32
